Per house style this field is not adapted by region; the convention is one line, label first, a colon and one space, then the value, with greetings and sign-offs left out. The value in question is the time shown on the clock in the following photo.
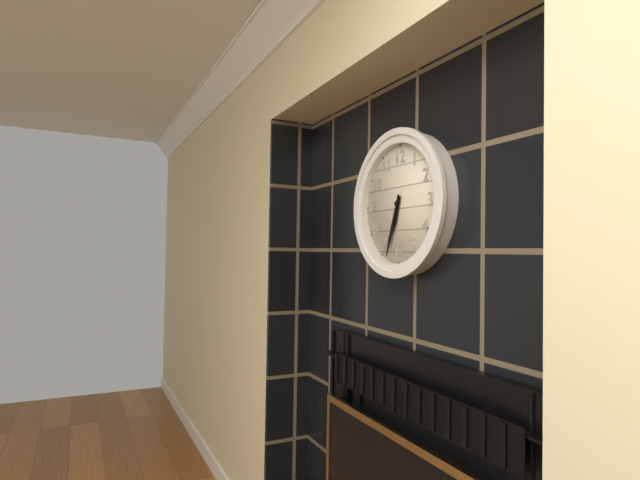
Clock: 6:33
